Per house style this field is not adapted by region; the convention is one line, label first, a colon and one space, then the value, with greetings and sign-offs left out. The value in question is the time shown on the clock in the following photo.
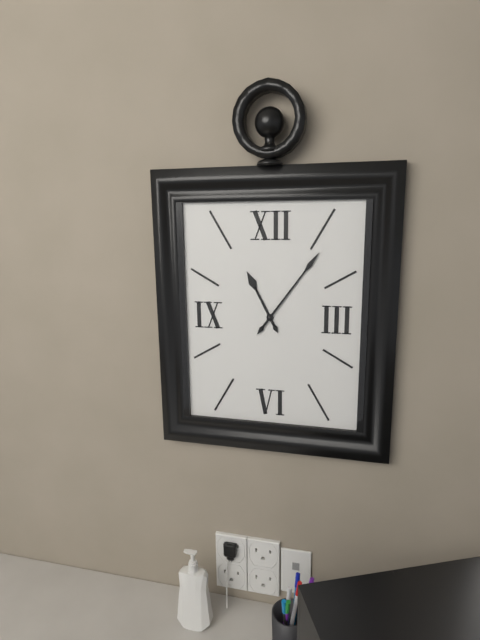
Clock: 11:06
